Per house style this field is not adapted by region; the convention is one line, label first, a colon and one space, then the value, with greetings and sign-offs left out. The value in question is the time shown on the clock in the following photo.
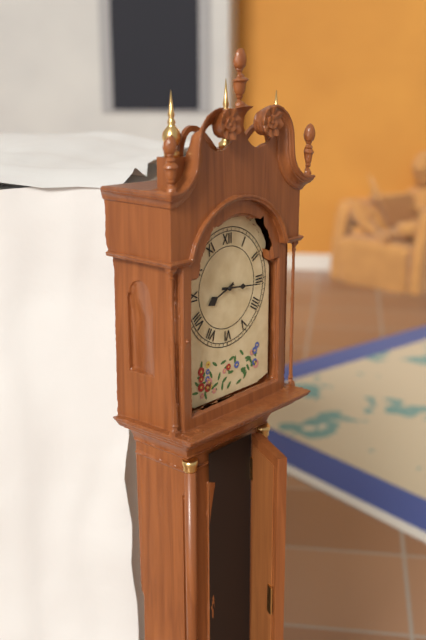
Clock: 8:16
